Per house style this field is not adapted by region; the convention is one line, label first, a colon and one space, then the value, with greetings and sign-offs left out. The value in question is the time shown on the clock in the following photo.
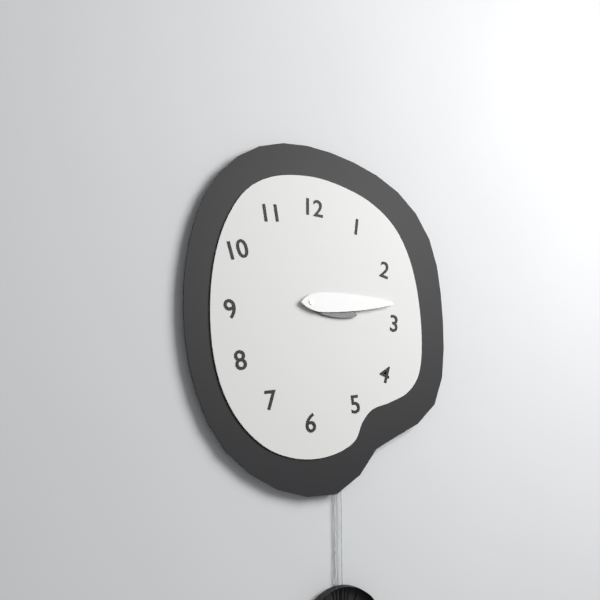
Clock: 3:14
